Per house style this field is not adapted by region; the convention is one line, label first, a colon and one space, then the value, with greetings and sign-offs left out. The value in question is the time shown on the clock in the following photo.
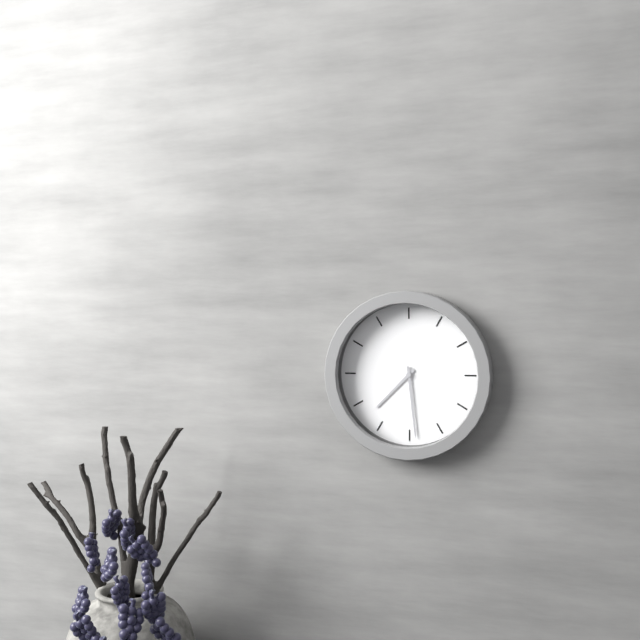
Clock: 7:29
